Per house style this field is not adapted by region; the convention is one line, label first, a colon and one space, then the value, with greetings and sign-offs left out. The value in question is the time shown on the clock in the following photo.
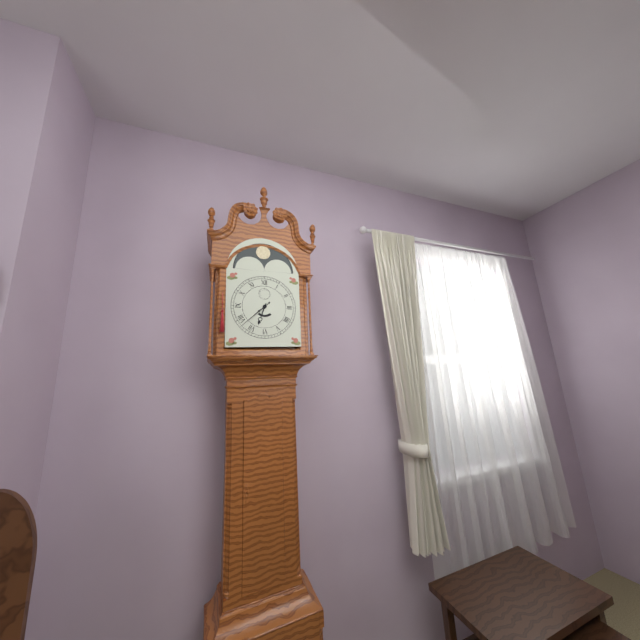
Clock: 6:38
